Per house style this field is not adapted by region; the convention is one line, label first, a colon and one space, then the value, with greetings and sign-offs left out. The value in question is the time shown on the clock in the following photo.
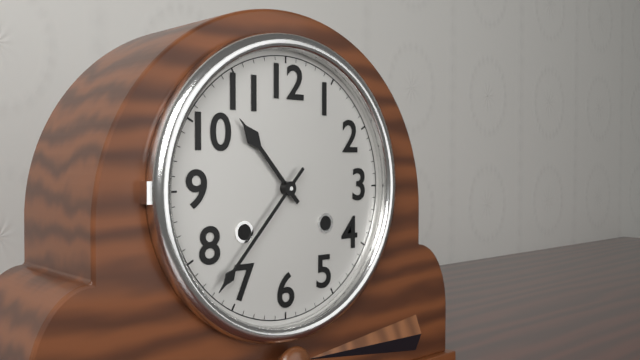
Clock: 10:37
